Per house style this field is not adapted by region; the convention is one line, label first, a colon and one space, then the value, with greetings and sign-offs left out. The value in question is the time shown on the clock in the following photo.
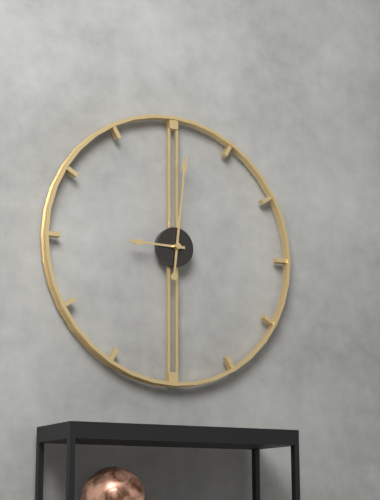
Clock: 9:01
